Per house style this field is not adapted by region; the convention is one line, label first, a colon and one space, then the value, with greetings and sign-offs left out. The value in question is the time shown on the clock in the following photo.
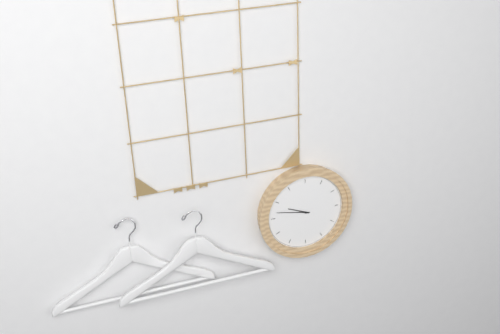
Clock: 9:47
